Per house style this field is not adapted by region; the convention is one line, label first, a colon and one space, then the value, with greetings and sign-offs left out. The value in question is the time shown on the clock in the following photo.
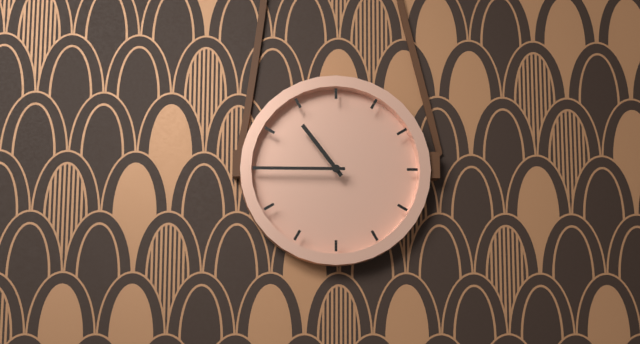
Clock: 10:45
